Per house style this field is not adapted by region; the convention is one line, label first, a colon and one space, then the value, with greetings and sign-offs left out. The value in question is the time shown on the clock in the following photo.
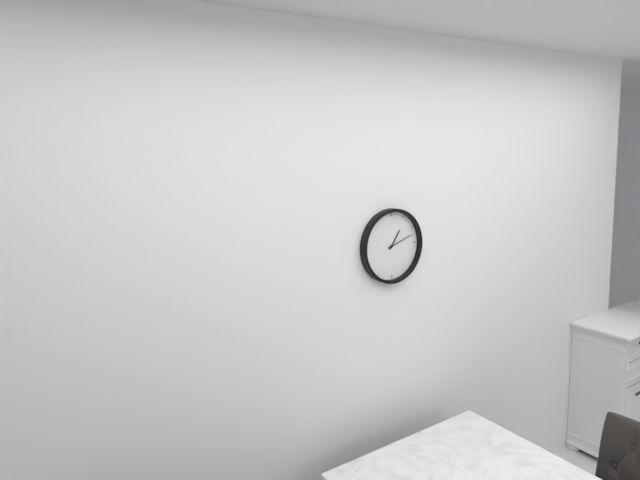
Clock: 1:12
